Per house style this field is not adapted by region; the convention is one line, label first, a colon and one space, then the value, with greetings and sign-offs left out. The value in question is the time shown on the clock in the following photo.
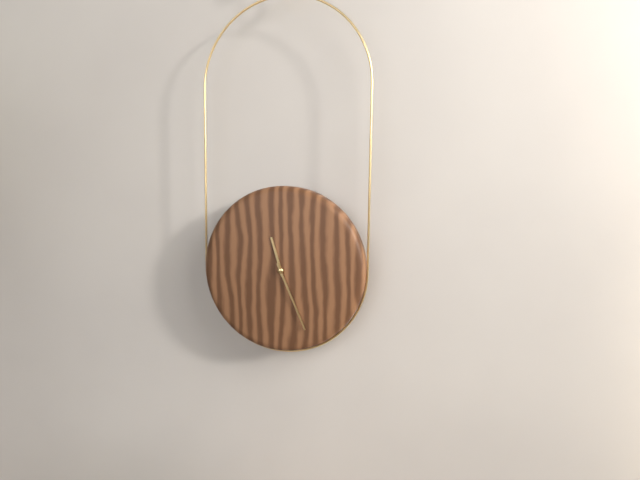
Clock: 11:26
